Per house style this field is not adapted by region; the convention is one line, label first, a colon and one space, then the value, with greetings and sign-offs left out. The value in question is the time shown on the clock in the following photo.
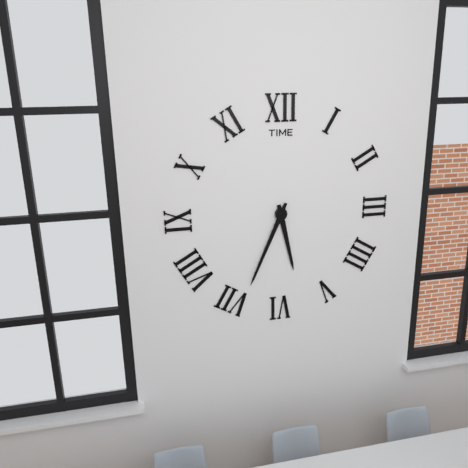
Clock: 5:34
